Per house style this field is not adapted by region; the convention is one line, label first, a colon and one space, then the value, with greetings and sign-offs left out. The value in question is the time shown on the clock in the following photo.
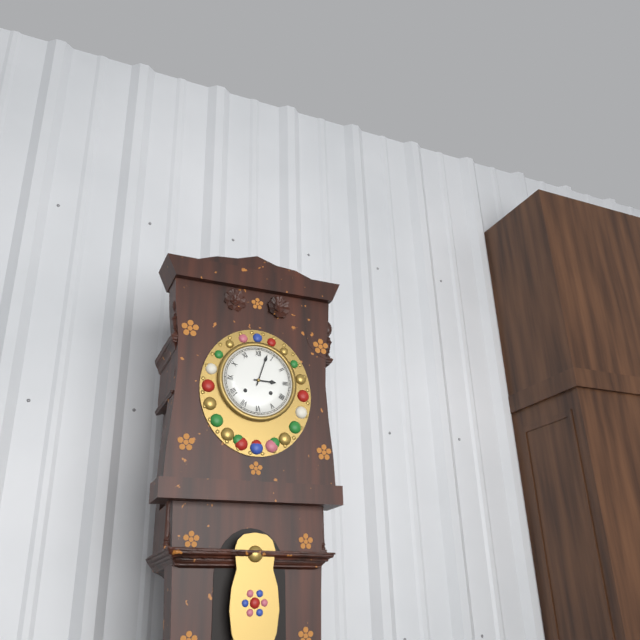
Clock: 3:03
